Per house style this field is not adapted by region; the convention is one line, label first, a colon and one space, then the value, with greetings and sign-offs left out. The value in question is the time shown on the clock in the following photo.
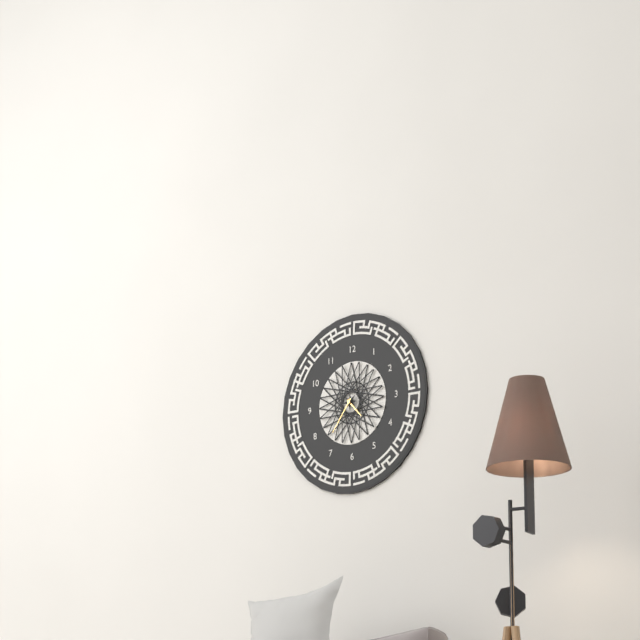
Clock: 4:36
